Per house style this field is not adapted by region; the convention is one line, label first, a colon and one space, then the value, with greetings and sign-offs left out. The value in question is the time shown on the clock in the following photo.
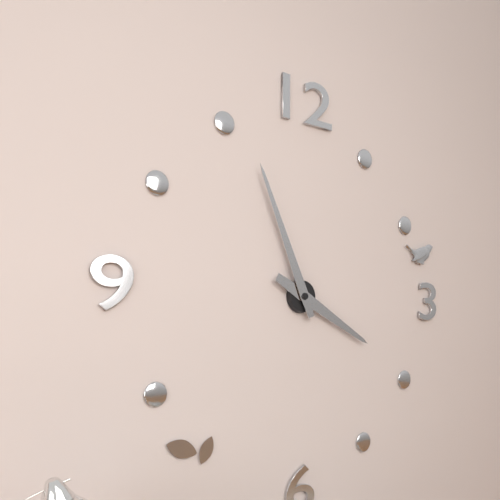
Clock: 3:56
